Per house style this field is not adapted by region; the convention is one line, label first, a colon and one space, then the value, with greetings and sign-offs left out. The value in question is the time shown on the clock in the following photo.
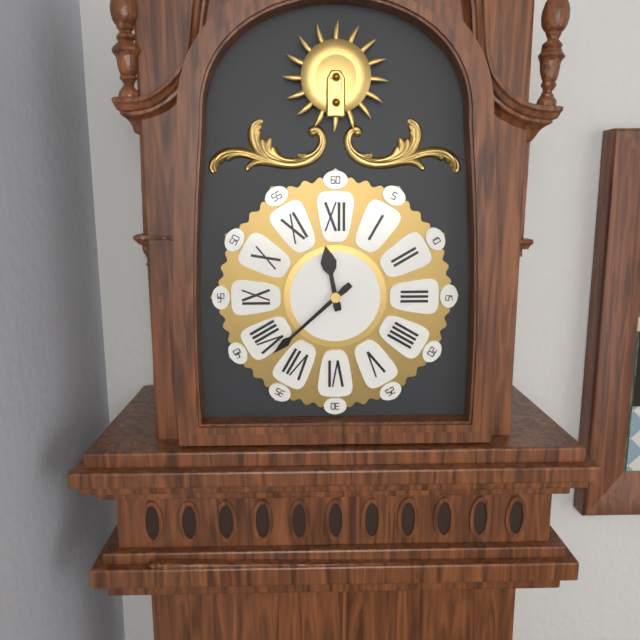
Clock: 11:38
